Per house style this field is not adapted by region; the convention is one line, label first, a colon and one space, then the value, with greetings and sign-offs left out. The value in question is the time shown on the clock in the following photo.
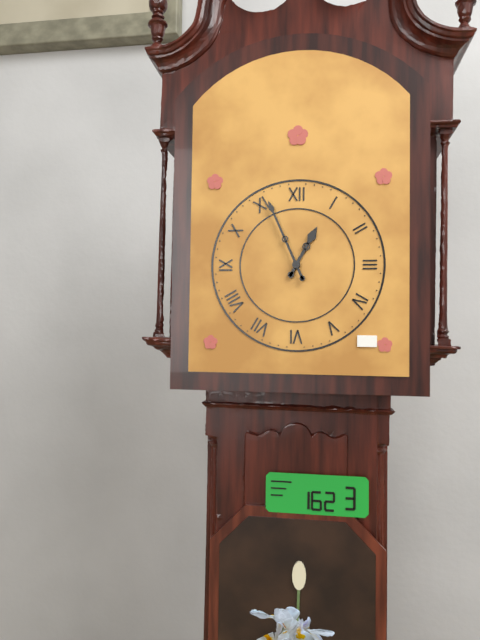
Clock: 12:56
